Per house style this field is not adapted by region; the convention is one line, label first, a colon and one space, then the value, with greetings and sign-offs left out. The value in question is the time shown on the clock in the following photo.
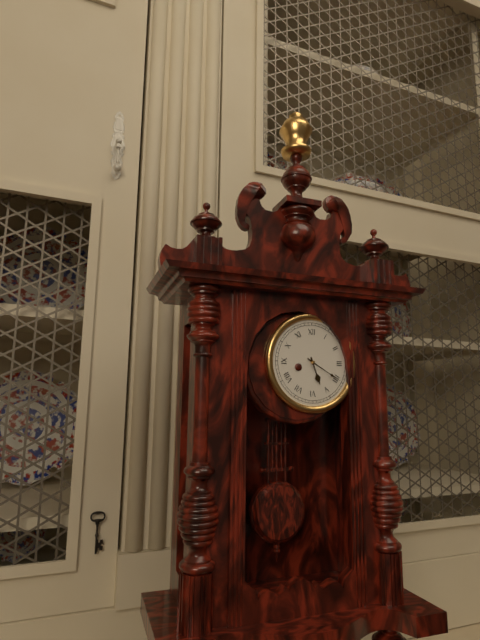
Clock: 5:20
